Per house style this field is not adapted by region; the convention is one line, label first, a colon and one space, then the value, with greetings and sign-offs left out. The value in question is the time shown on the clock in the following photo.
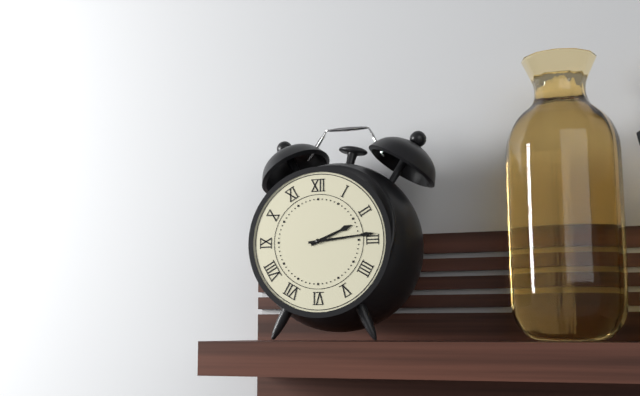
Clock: 2:14
